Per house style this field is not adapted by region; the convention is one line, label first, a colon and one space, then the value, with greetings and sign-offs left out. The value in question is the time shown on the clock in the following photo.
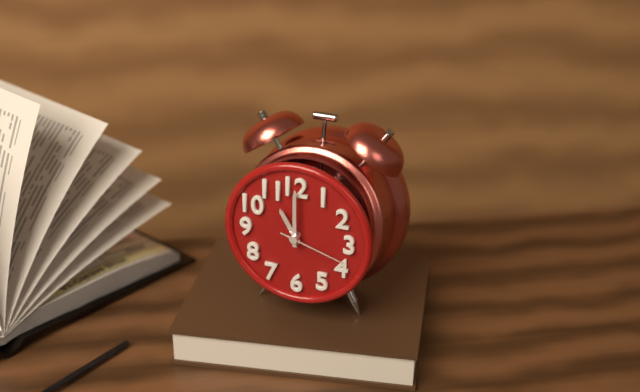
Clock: 11:00:18
